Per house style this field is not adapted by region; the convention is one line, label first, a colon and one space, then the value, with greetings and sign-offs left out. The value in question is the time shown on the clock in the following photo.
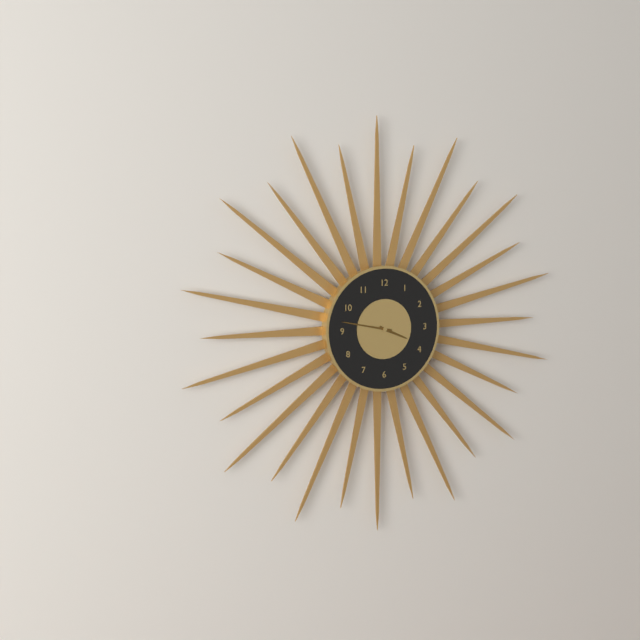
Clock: 3:47
